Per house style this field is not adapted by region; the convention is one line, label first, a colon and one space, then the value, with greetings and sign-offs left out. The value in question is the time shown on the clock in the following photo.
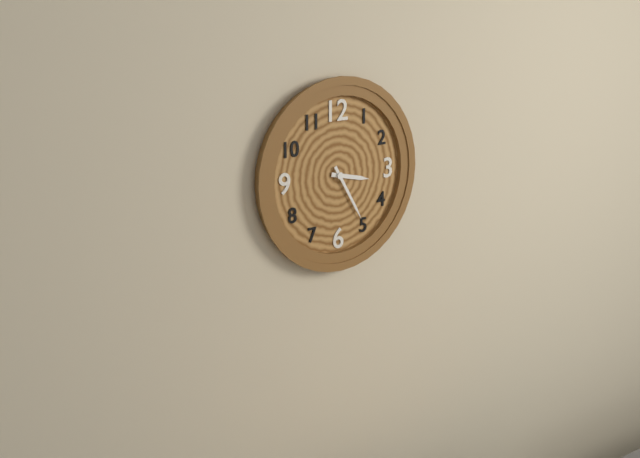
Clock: 3:25
